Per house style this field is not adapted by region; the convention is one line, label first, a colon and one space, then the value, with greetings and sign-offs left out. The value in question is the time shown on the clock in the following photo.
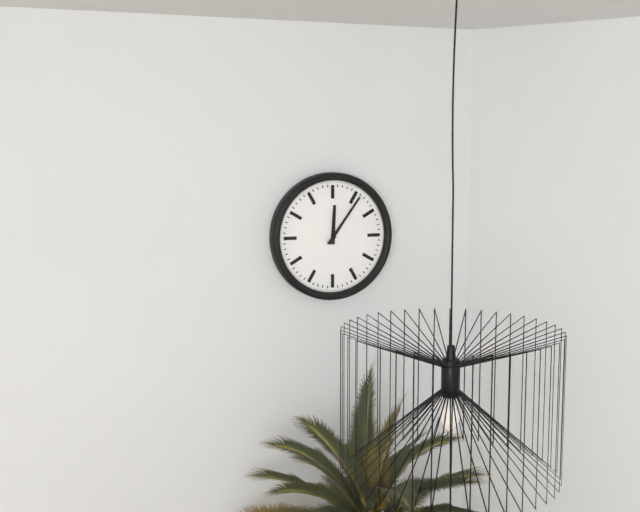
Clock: 12:06
